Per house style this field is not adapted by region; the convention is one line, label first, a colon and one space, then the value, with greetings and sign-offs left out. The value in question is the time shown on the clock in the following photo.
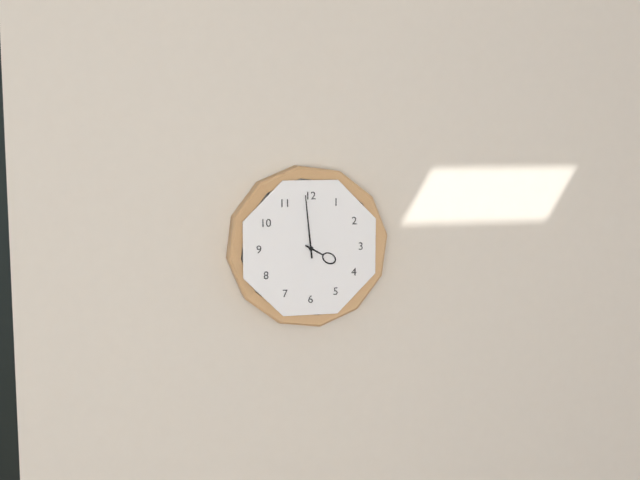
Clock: 3:59
